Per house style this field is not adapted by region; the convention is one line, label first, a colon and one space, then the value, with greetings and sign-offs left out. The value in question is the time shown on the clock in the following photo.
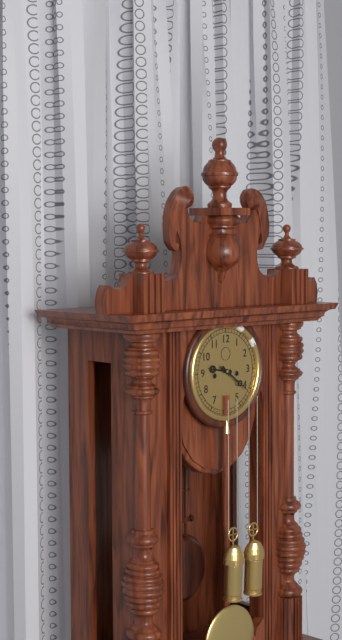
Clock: 9:21
